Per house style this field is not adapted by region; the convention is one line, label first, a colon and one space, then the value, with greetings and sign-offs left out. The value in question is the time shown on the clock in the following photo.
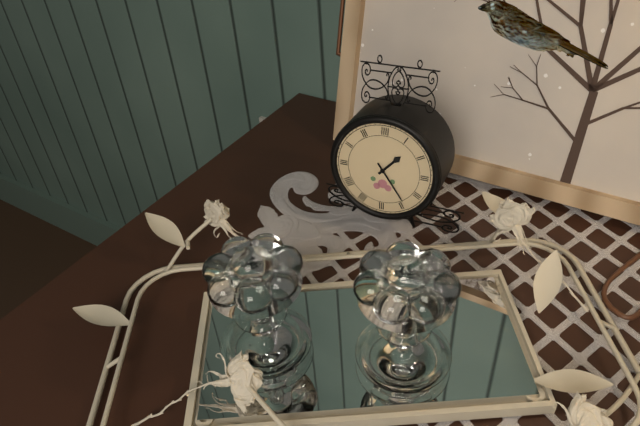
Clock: 1:24
